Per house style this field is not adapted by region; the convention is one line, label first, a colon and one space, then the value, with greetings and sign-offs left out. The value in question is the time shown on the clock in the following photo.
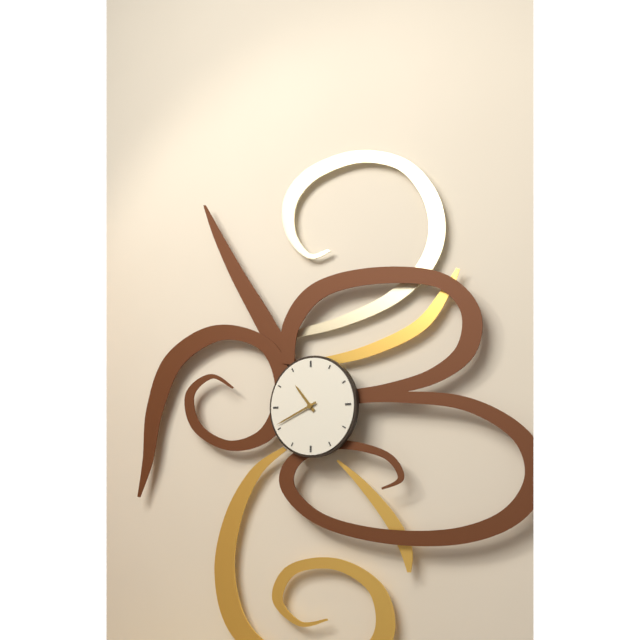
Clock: 10:41
